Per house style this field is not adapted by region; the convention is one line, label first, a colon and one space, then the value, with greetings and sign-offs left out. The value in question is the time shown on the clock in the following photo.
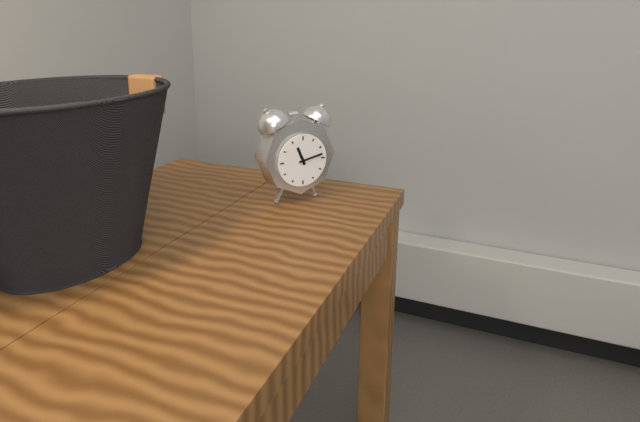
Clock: 11:13
